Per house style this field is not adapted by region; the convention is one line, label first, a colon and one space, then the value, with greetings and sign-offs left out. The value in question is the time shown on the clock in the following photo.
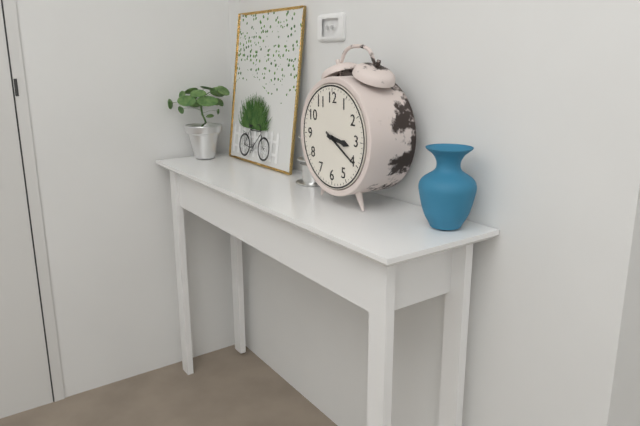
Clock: 3:20
